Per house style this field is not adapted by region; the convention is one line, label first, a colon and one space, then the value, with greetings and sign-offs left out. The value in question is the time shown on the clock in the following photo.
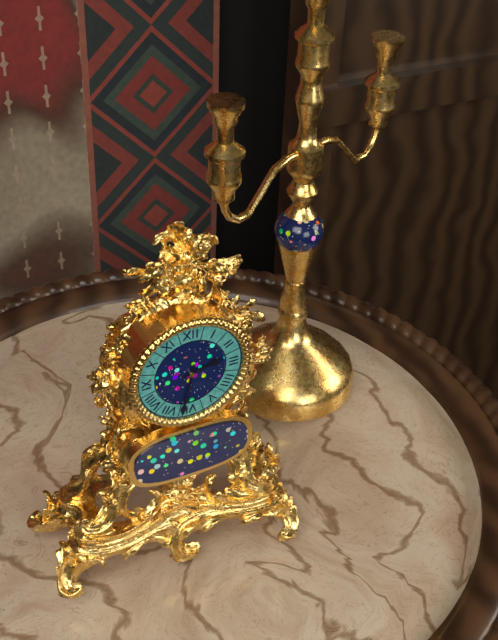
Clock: 2:32
